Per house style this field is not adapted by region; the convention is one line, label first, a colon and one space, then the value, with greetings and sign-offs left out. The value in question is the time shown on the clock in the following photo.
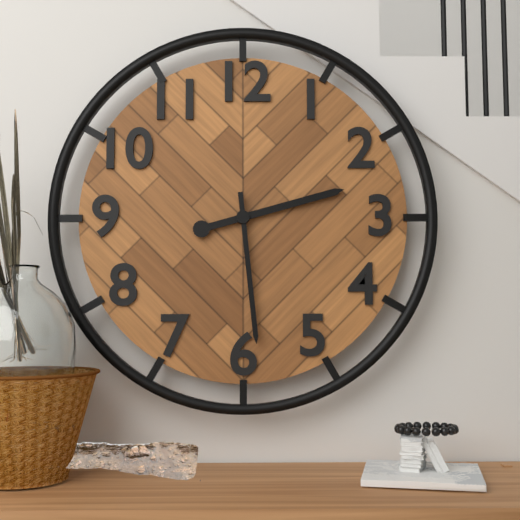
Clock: 2:29
